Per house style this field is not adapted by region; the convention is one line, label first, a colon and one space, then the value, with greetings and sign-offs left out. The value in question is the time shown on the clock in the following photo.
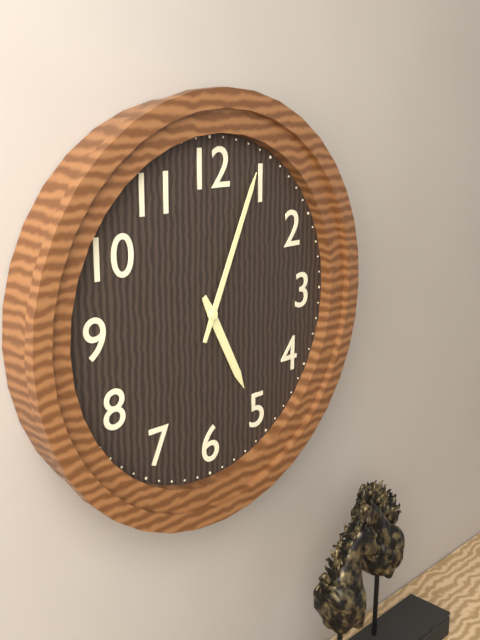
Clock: 5:04
